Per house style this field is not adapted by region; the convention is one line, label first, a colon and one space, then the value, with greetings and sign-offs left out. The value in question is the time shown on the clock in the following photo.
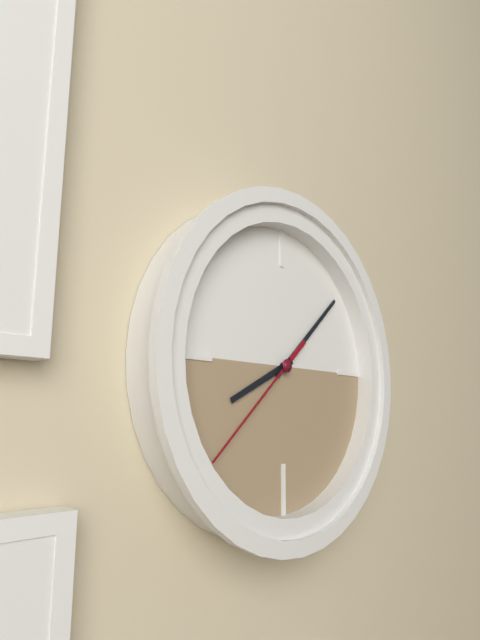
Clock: 8:08:38
